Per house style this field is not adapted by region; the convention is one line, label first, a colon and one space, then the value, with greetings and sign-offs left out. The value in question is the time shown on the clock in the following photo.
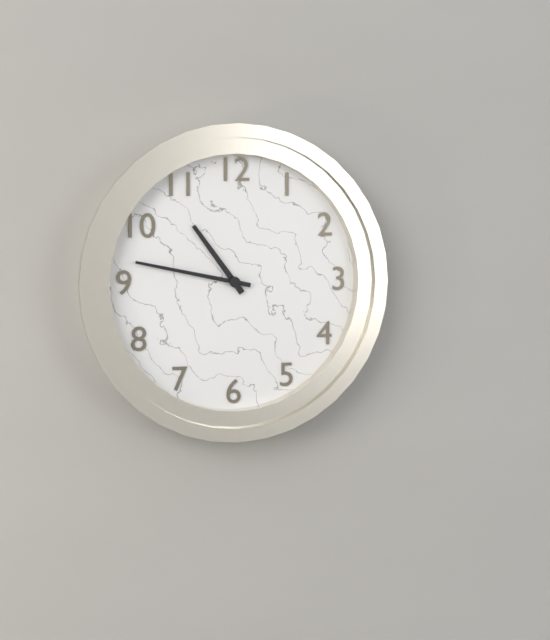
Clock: 10:47
